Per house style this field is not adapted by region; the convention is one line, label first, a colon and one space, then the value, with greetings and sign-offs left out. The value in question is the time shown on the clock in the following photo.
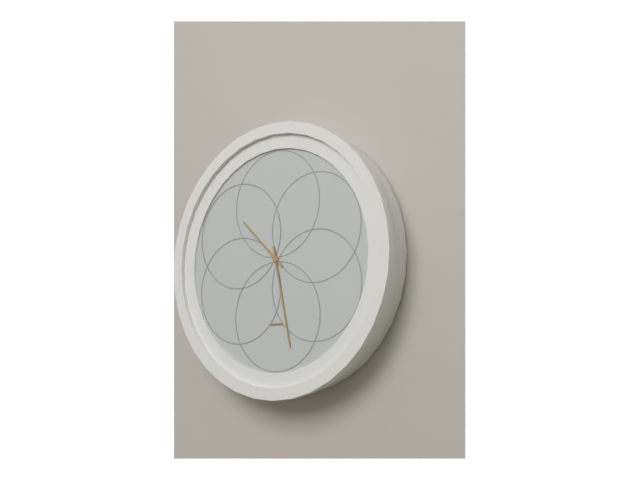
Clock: 10:28
